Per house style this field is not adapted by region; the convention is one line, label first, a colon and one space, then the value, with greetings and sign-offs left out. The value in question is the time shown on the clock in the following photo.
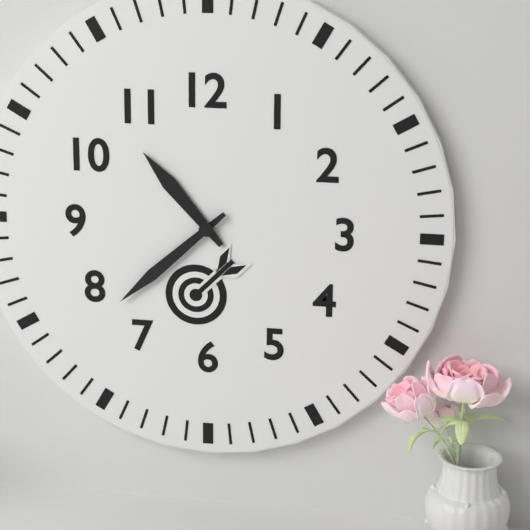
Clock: 10:38
